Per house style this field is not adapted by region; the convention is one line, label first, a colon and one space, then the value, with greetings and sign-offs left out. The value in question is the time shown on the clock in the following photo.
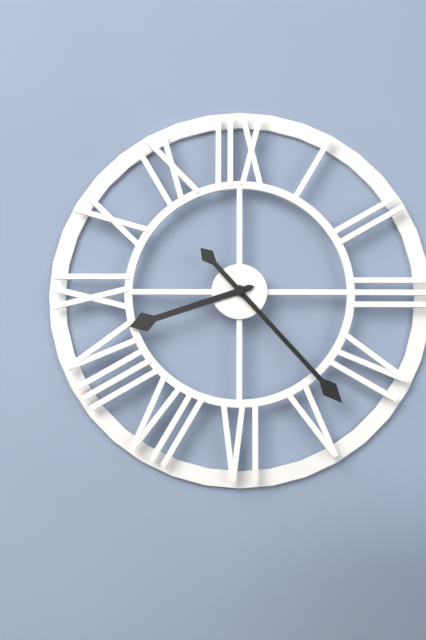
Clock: 8:23
